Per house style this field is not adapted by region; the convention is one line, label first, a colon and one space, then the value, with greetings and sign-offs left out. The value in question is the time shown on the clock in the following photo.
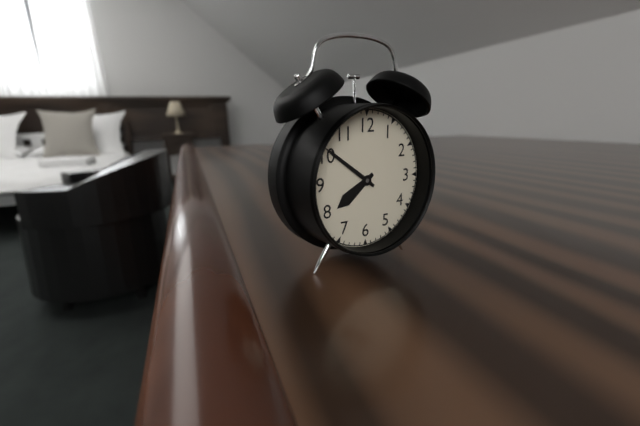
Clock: 7:51
